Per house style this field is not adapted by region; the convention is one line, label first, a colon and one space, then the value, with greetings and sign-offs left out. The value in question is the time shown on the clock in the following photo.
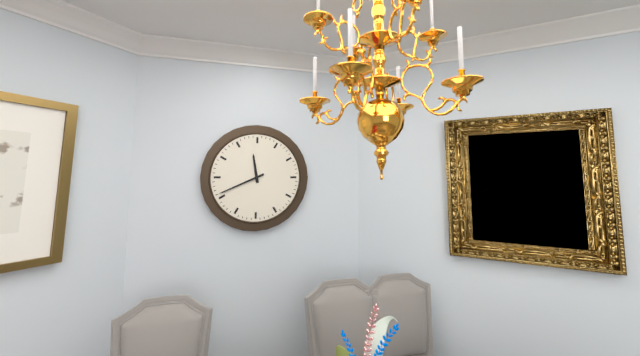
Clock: 11:41
